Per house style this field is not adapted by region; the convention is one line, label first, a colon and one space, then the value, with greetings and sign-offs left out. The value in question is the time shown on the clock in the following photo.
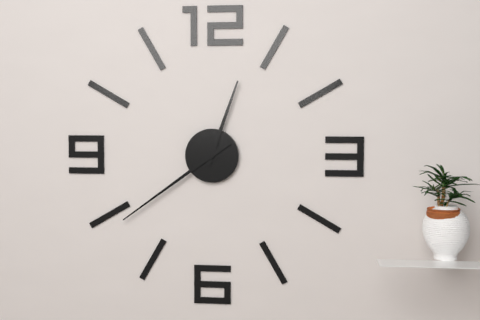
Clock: 12:39
